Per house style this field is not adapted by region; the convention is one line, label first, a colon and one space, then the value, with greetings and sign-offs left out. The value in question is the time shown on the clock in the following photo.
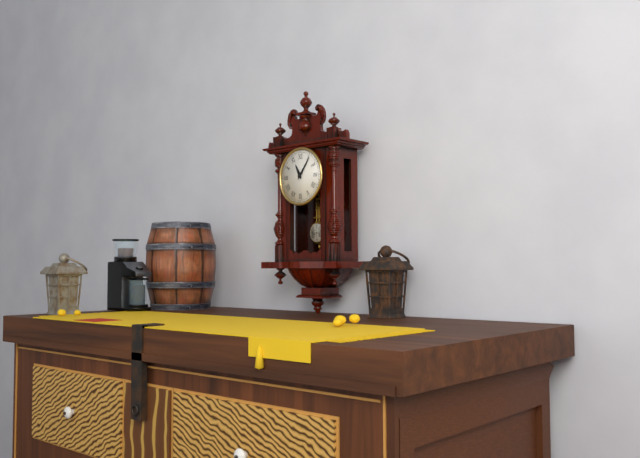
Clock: 11:06
